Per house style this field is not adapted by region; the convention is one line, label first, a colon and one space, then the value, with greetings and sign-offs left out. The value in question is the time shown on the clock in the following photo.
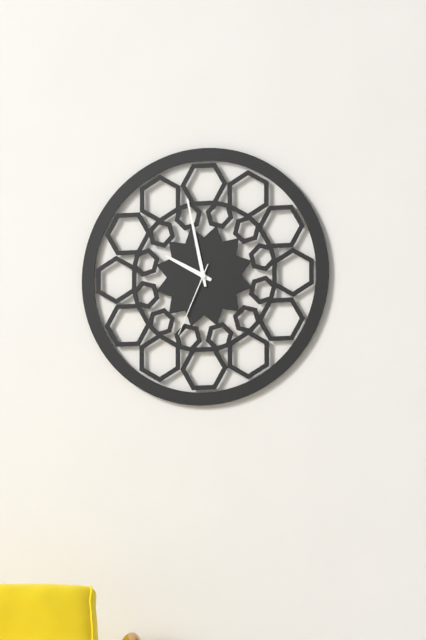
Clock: 9:58:34
